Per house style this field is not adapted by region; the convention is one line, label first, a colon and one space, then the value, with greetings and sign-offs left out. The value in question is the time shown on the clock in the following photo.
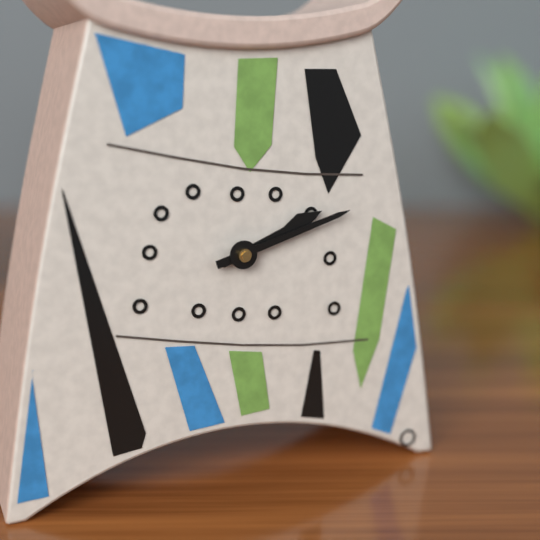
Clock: 2:12
